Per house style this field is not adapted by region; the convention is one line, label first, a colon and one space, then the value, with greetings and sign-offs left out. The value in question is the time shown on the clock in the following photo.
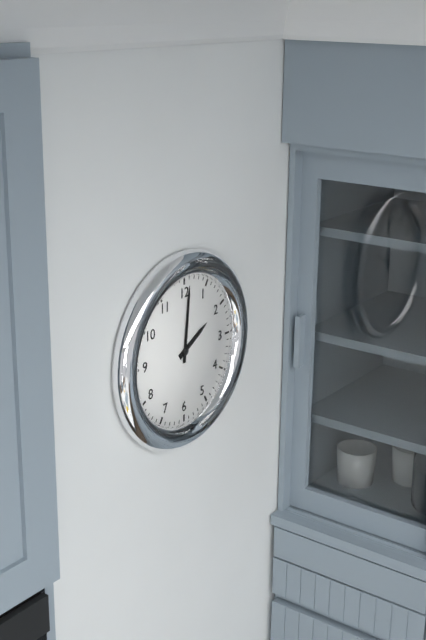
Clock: 2:01
